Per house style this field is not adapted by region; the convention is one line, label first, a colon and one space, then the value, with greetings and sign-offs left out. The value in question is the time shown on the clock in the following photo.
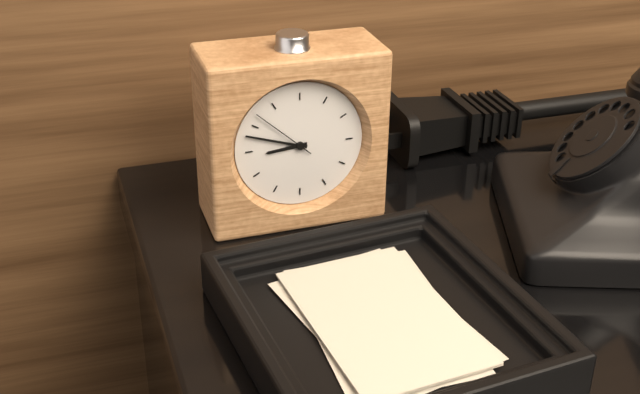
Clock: 8:48:52
